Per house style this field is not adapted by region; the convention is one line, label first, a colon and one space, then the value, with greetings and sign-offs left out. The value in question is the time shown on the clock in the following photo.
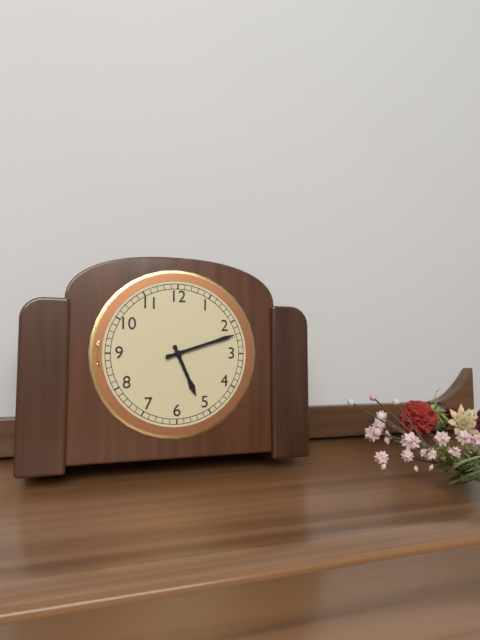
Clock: 5:12
